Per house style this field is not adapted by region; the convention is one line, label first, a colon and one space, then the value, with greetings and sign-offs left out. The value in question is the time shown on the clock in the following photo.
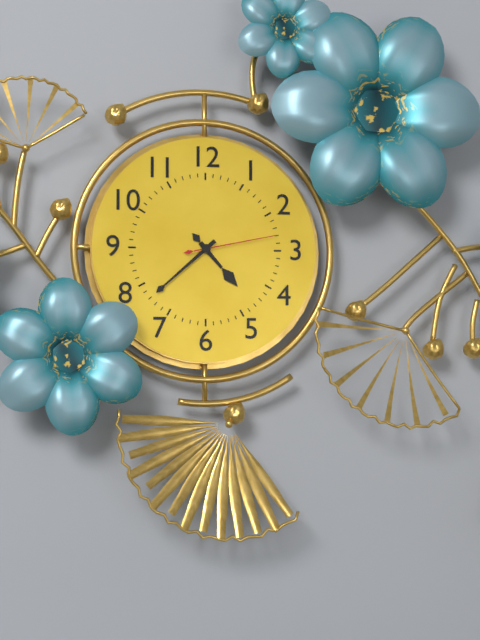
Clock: 4:38:13
